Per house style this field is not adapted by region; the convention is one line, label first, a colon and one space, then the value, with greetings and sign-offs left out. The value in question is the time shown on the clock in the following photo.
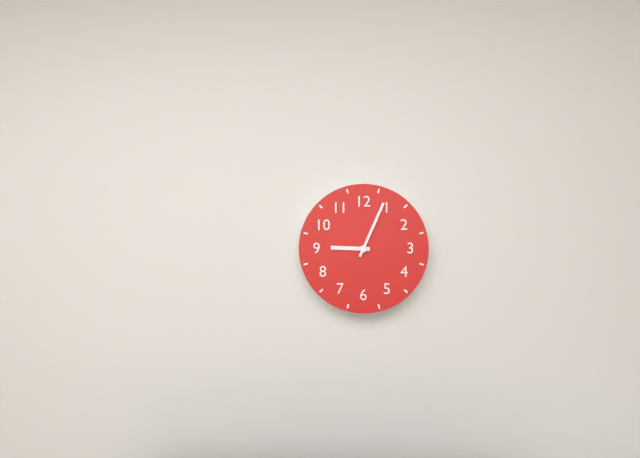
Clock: 9:04
